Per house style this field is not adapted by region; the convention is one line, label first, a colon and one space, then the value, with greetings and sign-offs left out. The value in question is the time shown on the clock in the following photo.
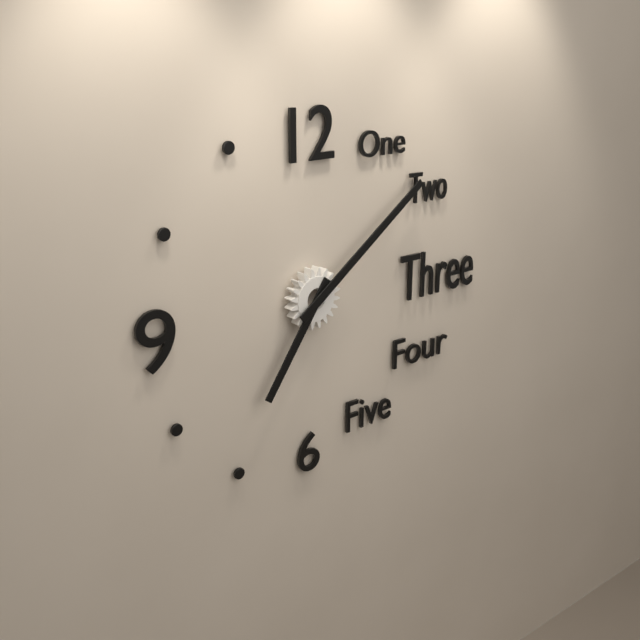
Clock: 7:09
